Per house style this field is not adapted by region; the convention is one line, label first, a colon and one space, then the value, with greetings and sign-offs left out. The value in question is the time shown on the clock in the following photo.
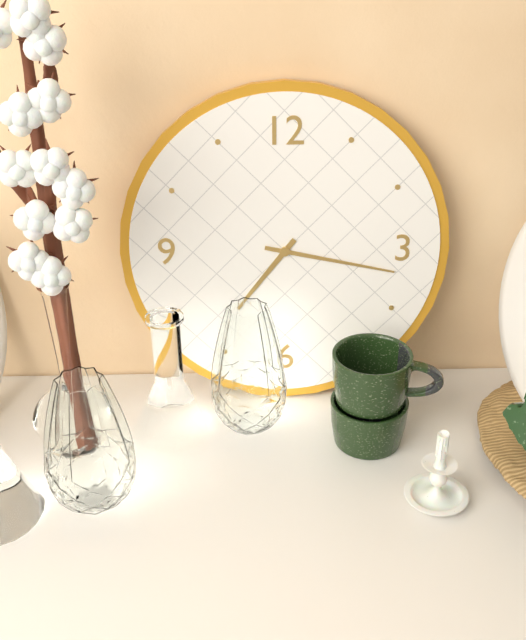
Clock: 7:17
